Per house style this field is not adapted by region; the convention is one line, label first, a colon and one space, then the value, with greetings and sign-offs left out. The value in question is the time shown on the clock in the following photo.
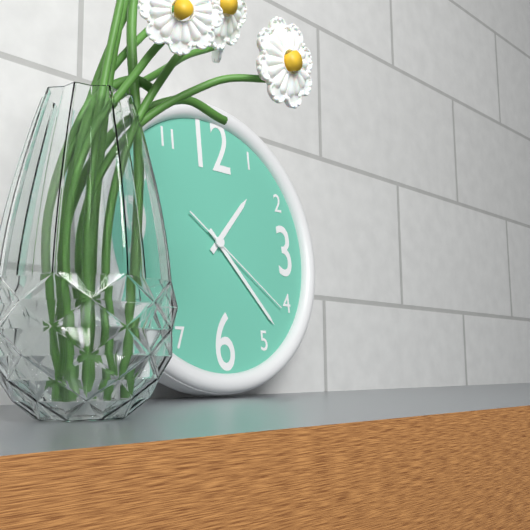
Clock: 1:23:21
